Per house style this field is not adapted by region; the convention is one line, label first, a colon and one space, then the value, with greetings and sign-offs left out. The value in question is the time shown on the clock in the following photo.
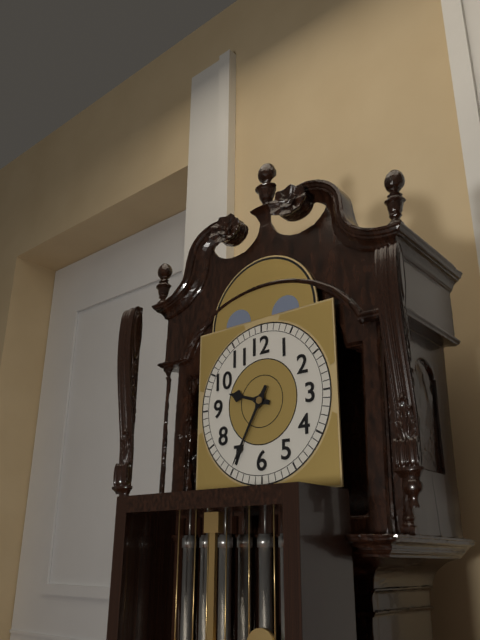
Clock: 9:35
